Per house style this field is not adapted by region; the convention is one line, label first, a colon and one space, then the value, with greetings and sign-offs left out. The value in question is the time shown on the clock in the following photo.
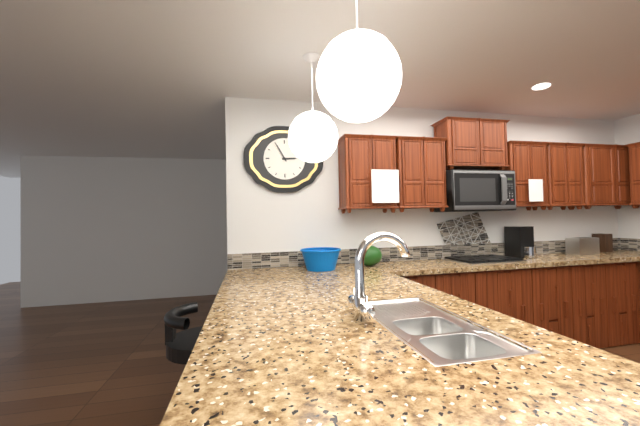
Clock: 2:55
